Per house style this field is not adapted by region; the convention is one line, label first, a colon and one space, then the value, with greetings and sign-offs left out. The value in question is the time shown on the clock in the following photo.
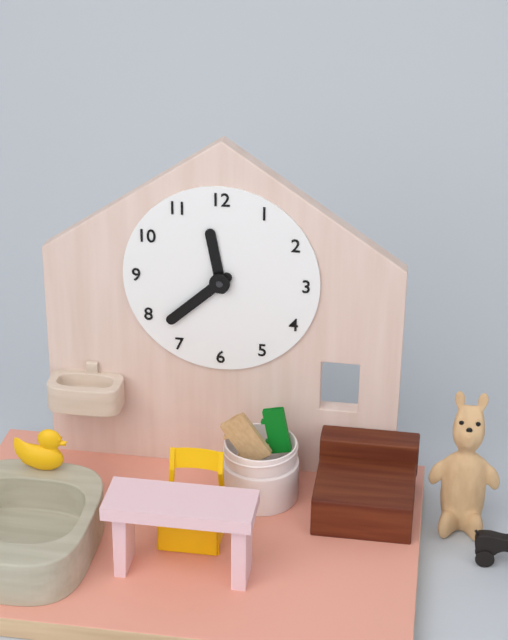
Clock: 11:38
